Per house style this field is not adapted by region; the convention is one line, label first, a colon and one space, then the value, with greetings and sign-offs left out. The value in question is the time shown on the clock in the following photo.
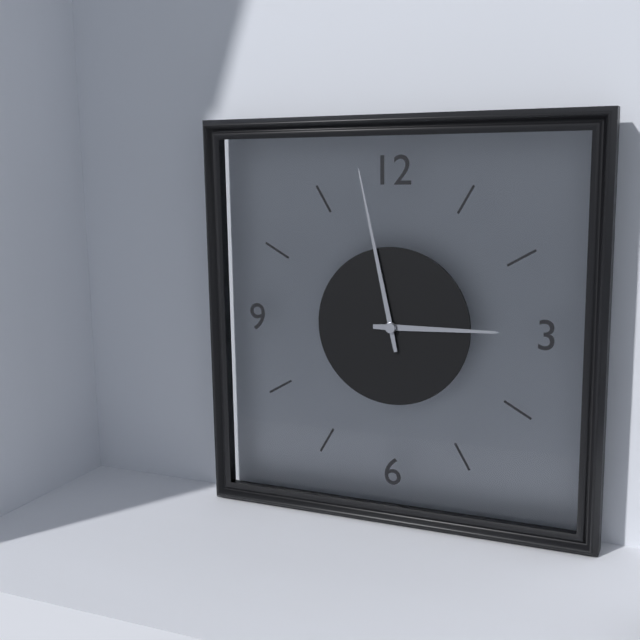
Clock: 2:58
